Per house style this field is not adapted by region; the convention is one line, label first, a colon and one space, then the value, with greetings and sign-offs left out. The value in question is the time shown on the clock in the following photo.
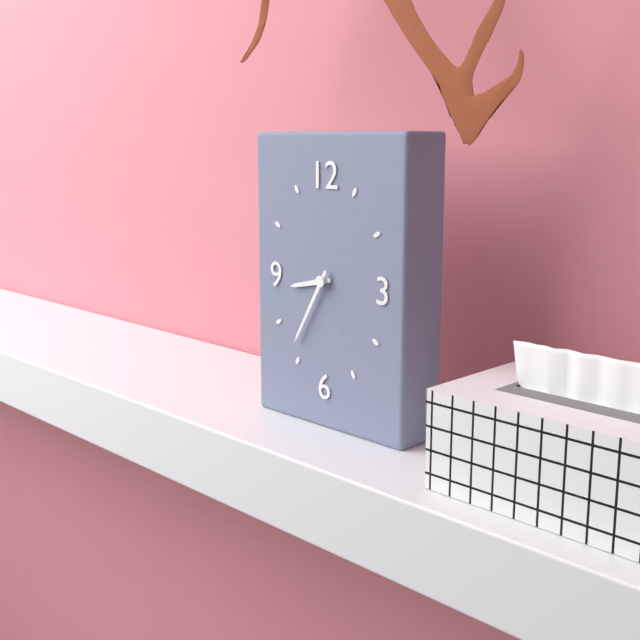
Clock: 8:35
